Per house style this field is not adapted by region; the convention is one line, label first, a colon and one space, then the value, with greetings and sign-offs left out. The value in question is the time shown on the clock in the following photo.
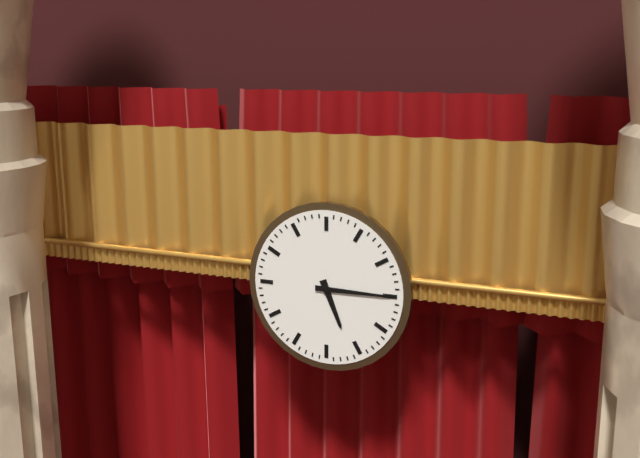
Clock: 5:15
